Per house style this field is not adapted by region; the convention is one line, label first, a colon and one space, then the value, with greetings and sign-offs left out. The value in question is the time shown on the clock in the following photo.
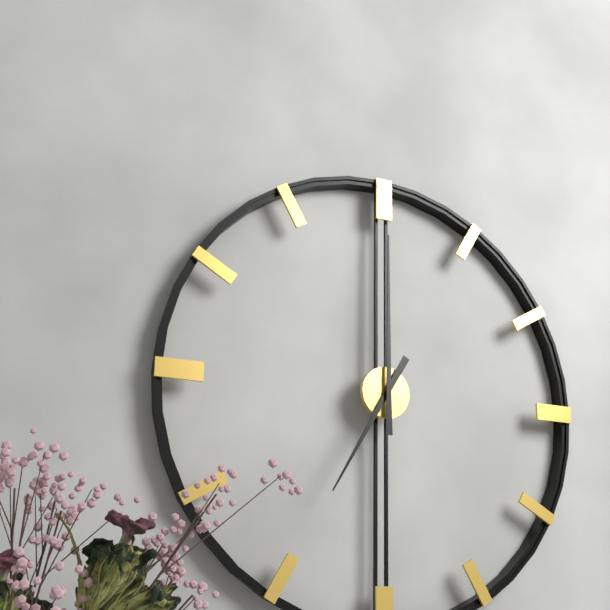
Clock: 7:00
